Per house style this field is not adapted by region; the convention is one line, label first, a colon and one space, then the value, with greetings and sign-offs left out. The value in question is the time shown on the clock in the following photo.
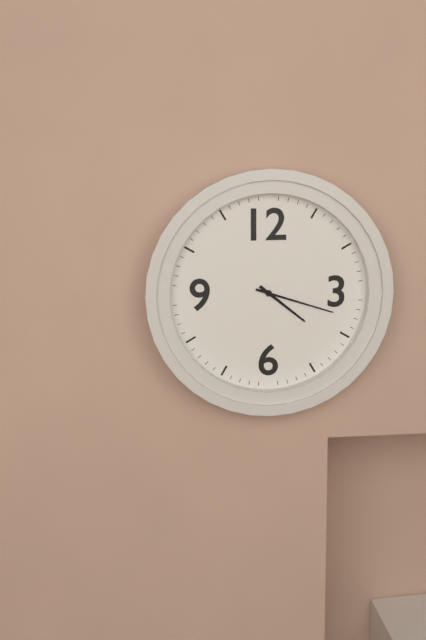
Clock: 4:18
